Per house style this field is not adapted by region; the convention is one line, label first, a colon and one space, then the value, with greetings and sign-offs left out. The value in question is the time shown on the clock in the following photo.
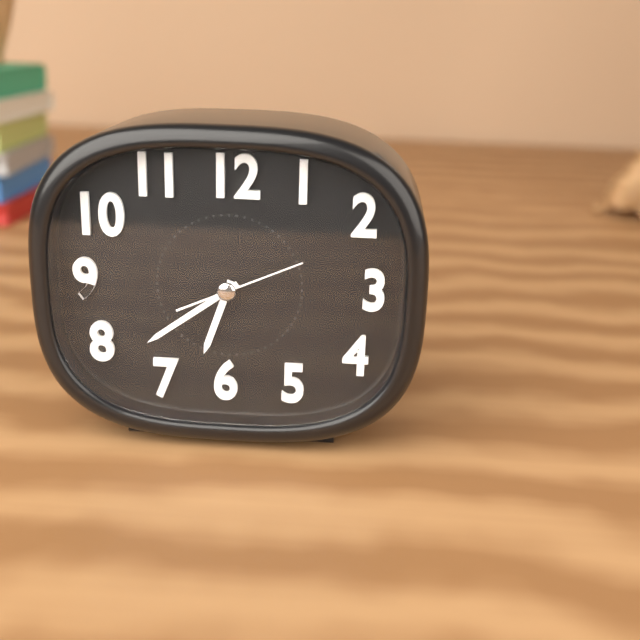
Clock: 6:39:11
